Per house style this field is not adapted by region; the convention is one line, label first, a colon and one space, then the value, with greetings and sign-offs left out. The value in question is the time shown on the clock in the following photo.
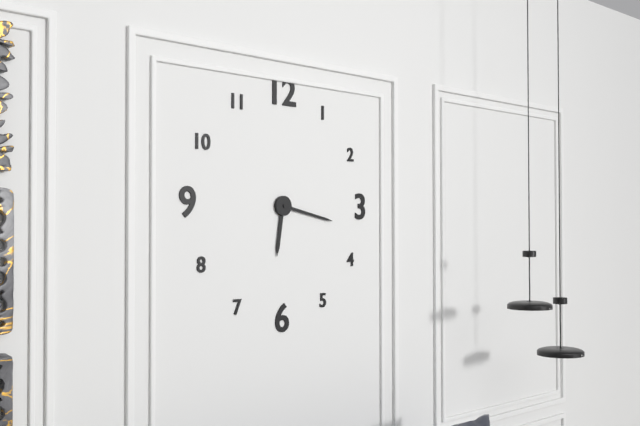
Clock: 6:17
